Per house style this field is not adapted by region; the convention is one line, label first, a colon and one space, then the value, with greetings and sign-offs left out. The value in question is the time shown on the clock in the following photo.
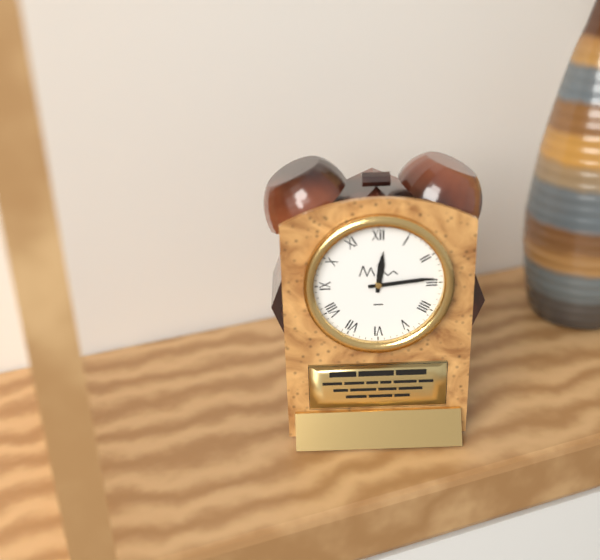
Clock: 12:14
